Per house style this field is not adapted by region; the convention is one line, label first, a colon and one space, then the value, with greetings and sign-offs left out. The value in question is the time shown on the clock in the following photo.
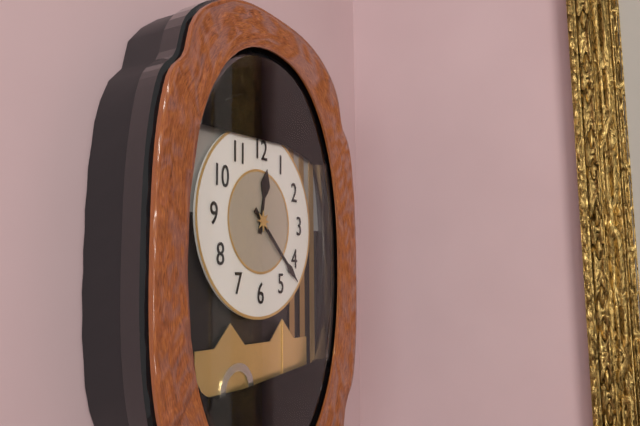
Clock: 12:22
